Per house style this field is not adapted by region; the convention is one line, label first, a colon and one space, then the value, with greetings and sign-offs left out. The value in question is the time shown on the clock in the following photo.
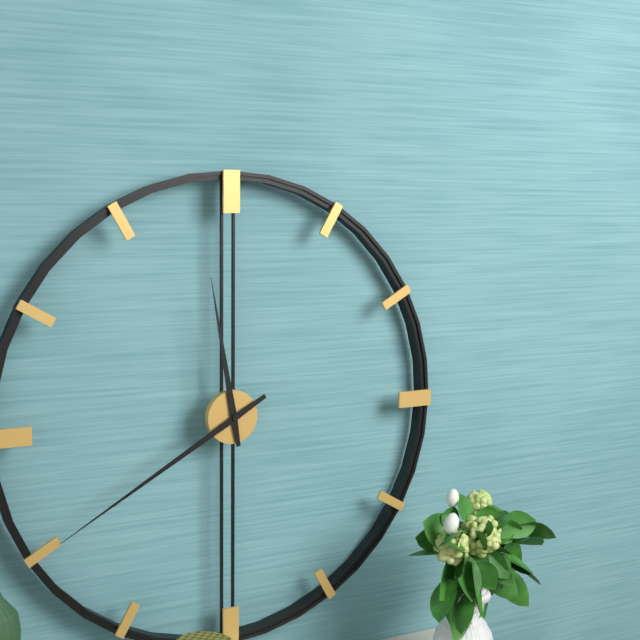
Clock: 11:40
